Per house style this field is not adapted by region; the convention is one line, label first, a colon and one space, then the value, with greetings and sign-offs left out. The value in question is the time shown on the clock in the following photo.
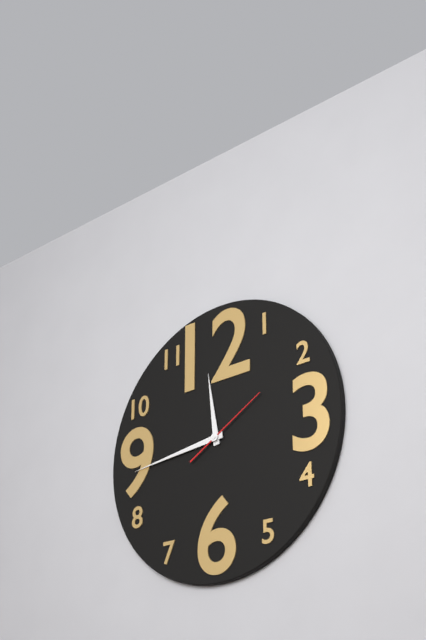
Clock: 11:44:10
